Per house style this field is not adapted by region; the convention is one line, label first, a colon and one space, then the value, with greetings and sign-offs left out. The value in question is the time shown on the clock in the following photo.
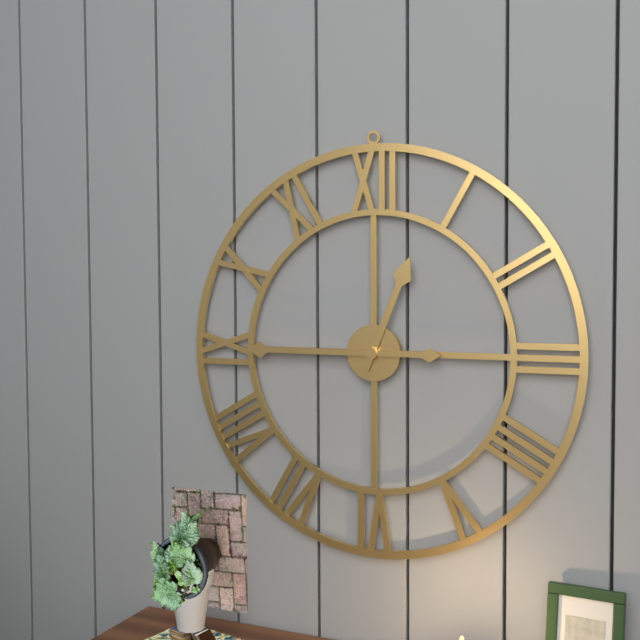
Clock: 12:45
